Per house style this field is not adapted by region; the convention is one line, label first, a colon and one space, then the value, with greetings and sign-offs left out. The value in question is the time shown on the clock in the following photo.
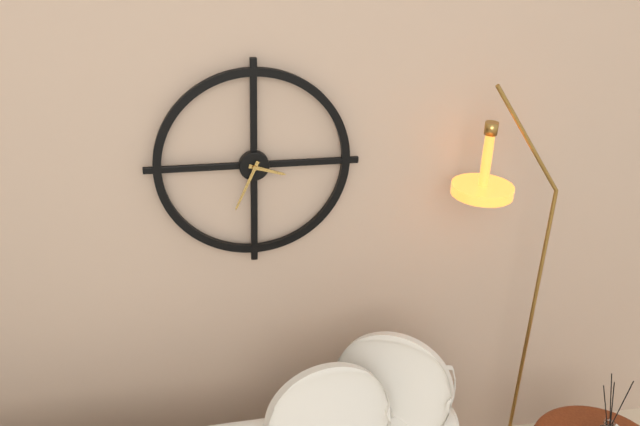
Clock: 3:34
